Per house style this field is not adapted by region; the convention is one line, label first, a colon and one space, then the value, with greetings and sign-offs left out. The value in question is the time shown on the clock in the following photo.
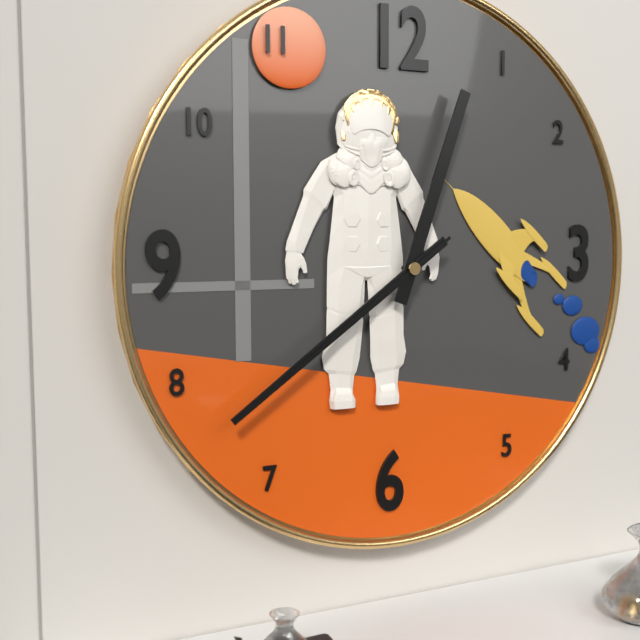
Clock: 12:39:39
